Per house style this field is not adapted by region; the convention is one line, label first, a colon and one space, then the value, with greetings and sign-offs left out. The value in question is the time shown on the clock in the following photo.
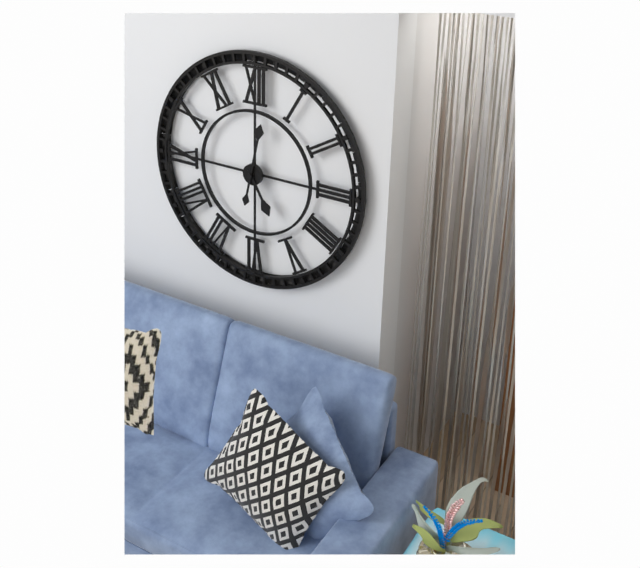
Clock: 5:02
